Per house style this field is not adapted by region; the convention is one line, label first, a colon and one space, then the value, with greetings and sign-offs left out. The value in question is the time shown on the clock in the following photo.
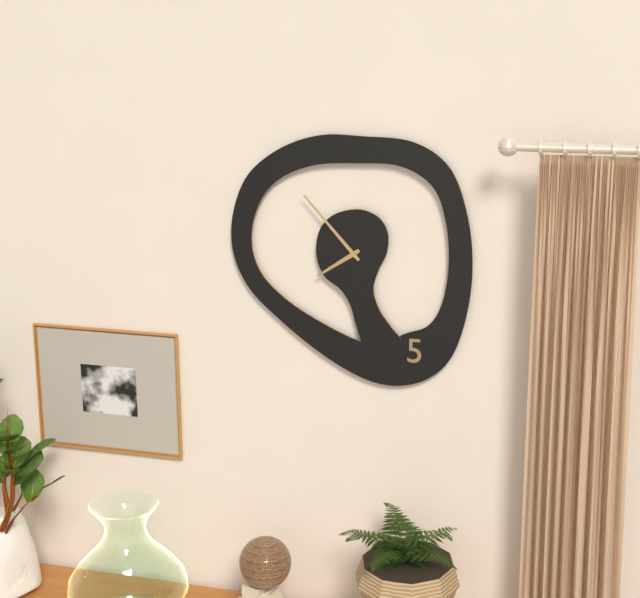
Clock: 7:53
